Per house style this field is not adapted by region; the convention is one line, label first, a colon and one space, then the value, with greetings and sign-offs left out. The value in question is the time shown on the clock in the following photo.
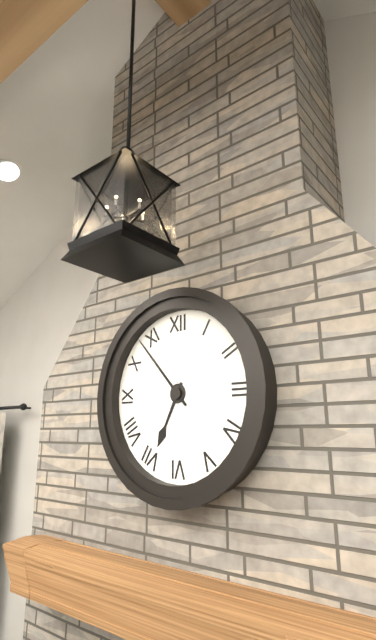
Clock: 6:53
